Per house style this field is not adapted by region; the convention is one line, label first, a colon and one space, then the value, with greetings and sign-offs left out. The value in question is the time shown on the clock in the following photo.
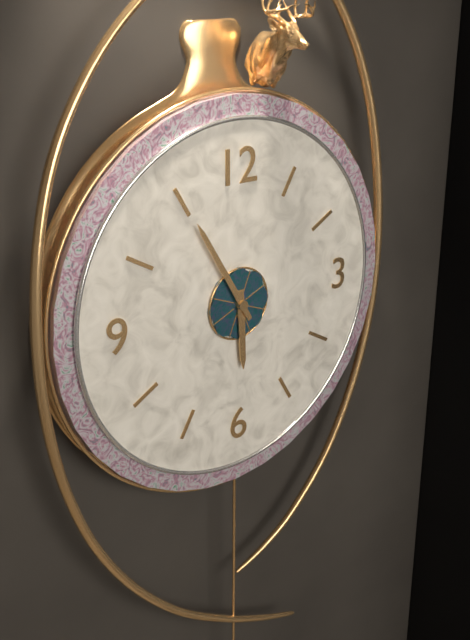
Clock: 5:55
